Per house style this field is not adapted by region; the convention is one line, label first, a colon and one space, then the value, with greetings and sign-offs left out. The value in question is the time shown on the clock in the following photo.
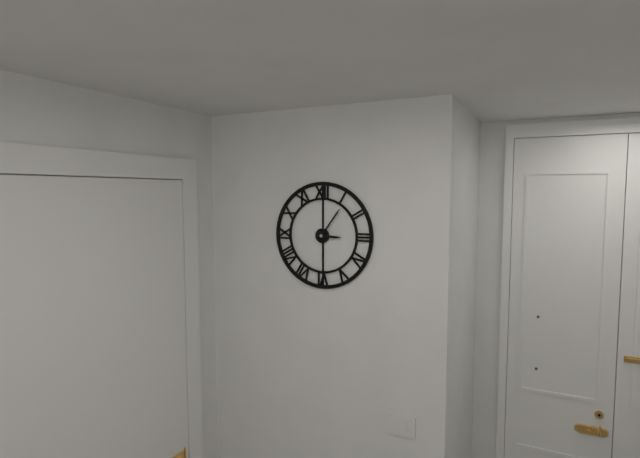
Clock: 3:06
